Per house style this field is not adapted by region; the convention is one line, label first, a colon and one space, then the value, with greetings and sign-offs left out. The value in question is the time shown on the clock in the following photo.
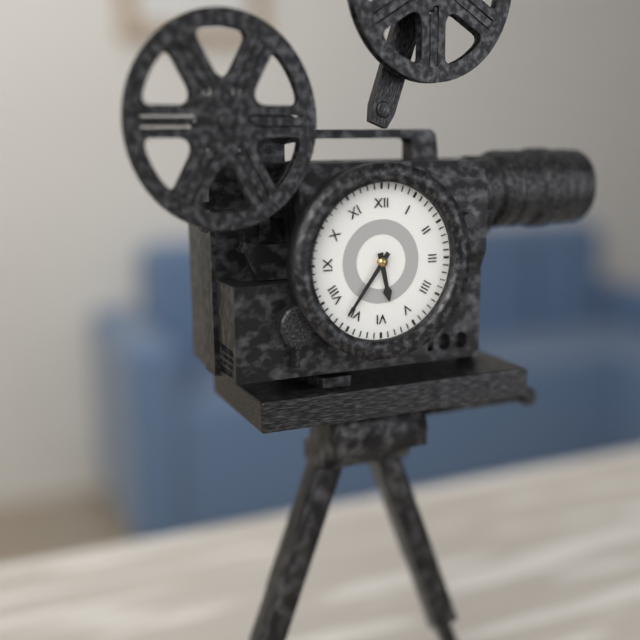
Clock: 5:36
